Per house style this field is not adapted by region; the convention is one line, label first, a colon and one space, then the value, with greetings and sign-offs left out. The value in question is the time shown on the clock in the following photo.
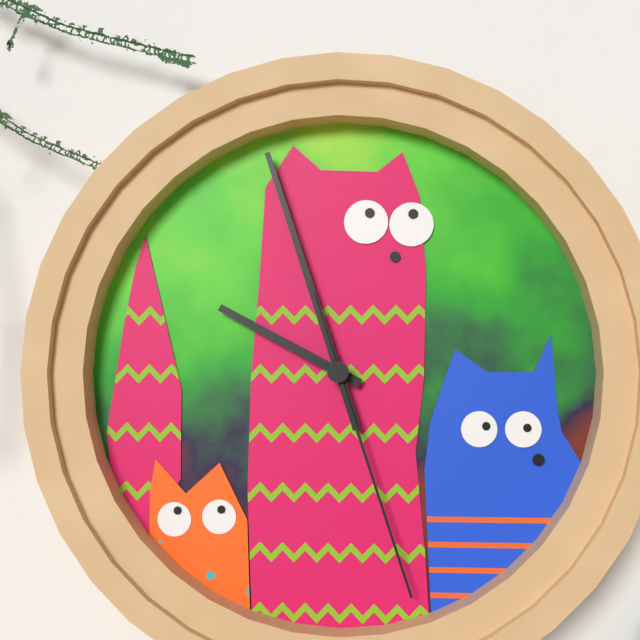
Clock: 9:57:27
